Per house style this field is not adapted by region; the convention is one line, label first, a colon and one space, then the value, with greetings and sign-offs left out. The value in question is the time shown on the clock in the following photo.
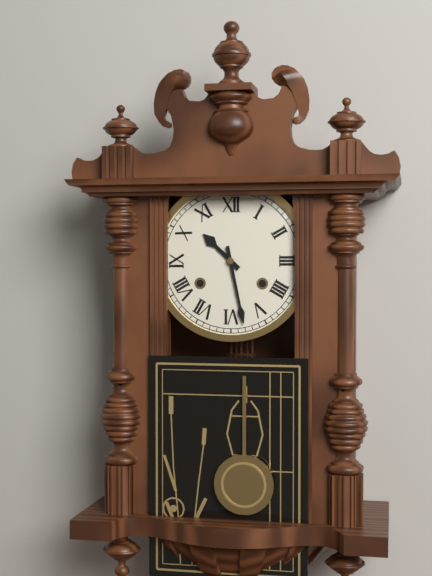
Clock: 10:28
